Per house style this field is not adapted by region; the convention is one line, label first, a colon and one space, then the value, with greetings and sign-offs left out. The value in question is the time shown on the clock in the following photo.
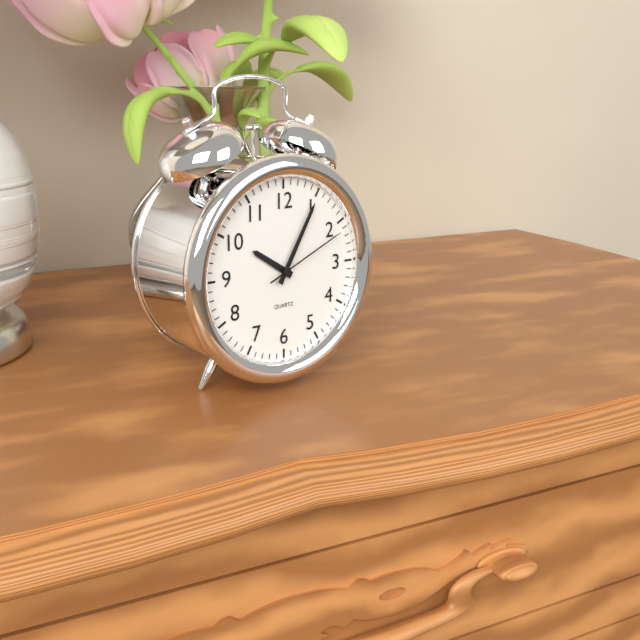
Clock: 10:05:11
